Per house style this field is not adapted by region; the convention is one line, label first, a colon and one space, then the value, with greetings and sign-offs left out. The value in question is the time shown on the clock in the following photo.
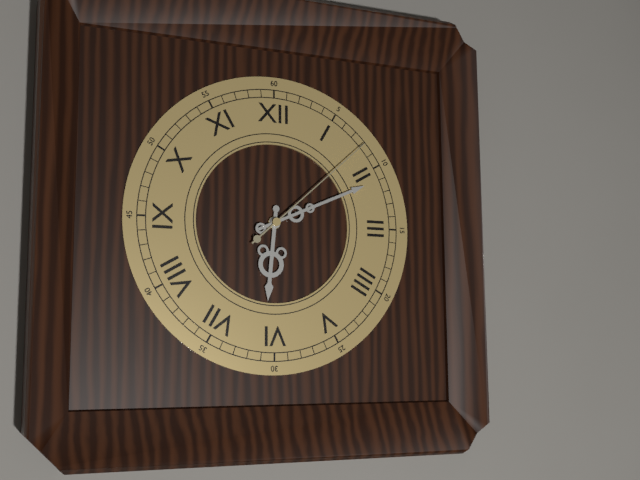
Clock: 6:11:08
